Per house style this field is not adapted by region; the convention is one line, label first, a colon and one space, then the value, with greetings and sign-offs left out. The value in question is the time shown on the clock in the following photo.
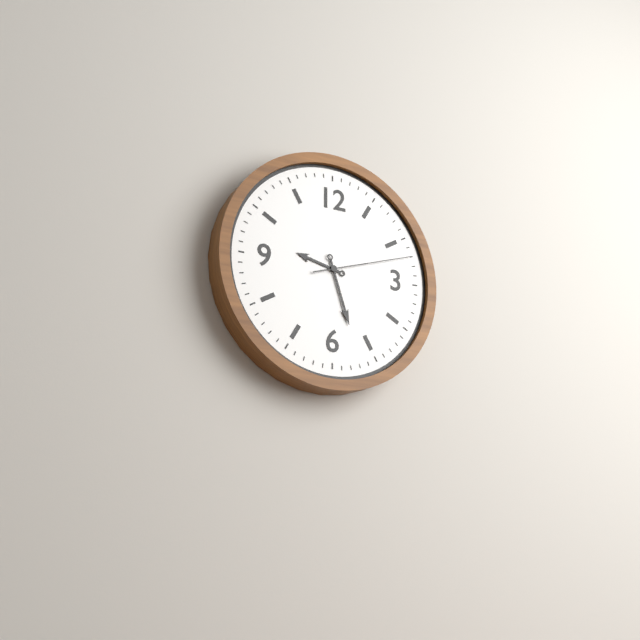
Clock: 9:27:12
